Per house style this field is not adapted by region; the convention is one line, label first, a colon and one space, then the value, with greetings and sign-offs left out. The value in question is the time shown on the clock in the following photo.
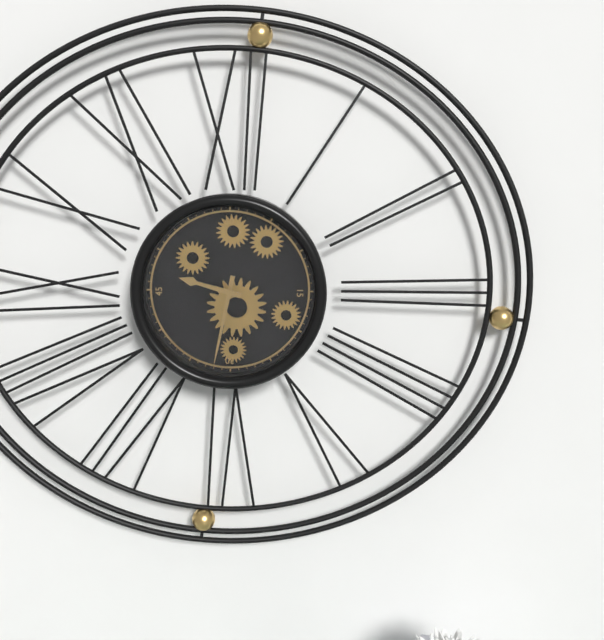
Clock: 9:32
